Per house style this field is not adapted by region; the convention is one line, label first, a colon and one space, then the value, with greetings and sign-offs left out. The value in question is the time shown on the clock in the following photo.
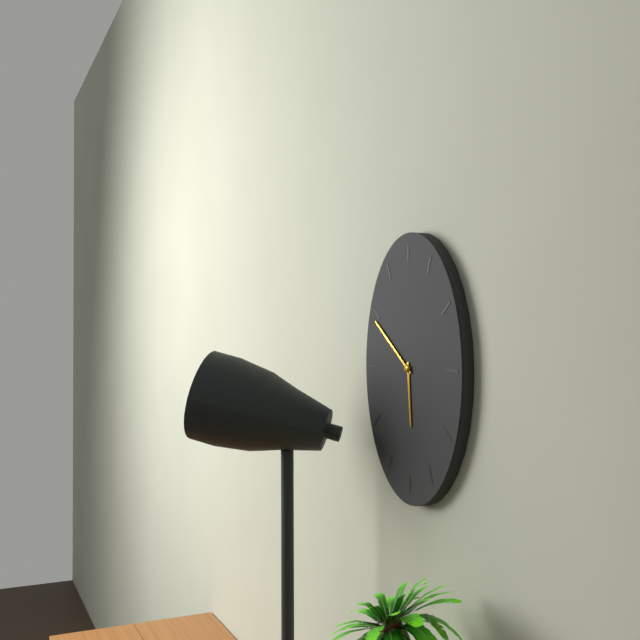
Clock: 5:51
